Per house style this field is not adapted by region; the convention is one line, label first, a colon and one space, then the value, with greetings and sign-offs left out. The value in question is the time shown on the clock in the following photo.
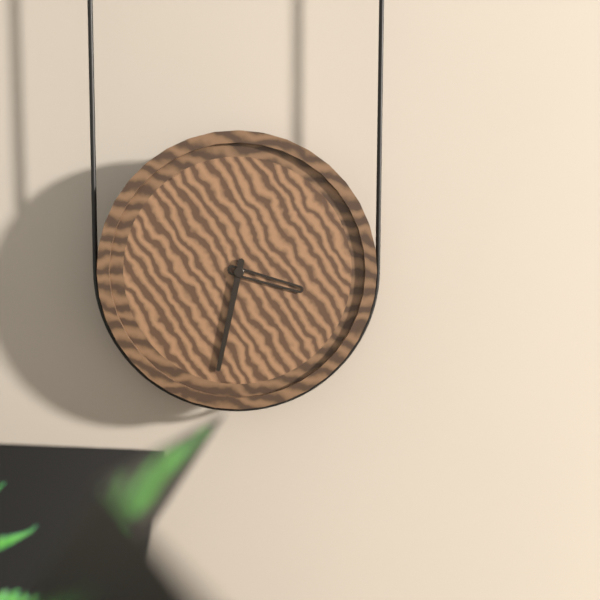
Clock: 3:32
